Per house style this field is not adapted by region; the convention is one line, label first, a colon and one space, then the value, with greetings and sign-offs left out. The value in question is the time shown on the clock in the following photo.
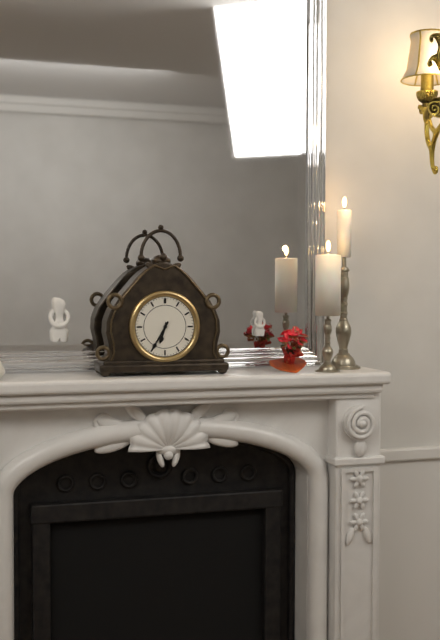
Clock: 6:35
